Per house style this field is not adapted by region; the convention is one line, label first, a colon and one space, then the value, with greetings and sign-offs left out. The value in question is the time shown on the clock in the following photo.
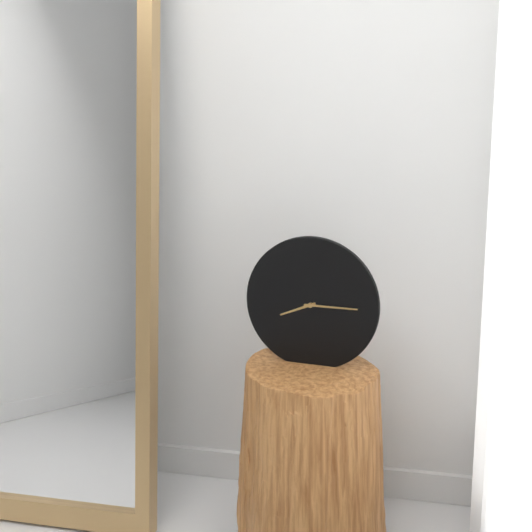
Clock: 8:15
